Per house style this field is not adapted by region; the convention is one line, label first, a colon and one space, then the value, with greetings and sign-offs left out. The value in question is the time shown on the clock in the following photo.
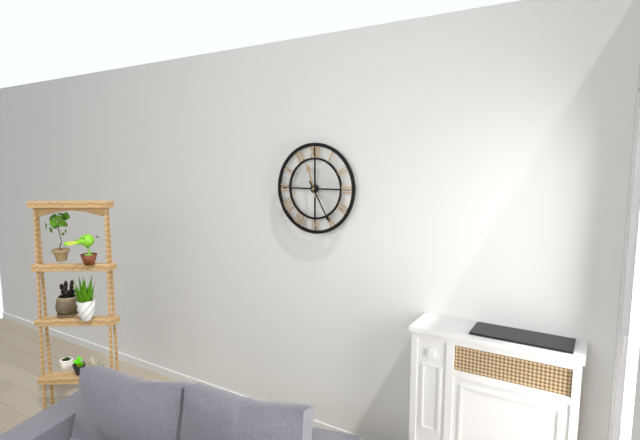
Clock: 11:25
